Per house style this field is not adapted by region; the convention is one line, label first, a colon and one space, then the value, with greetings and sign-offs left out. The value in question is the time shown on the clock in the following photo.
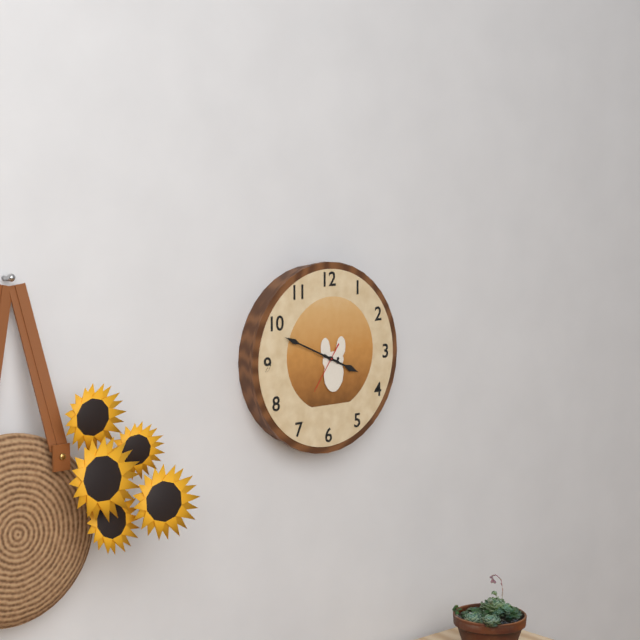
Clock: 3:49
